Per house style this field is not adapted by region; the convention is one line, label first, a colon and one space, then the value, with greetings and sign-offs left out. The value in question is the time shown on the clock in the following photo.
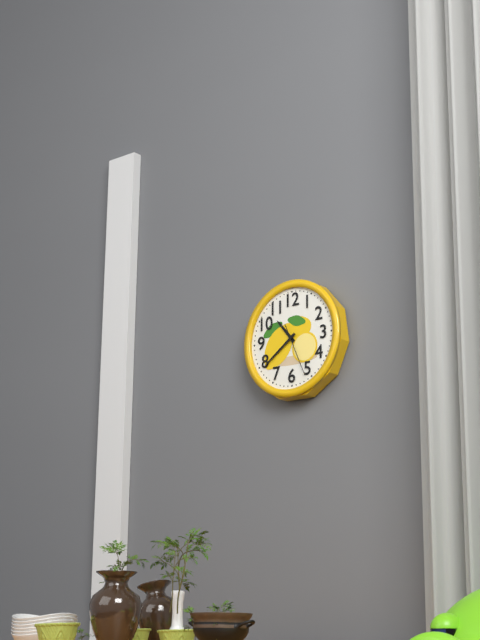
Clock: 10:39:26
